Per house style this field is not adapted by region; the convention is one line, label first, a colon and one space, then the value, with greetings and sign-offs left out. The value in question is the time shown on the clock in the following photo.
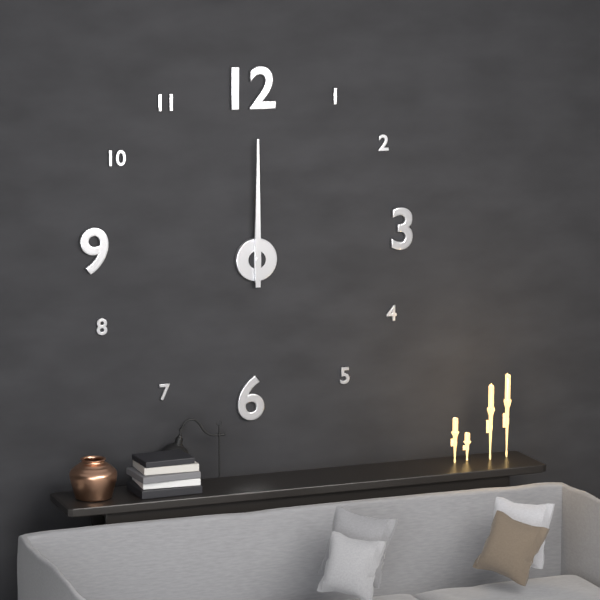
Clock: 12:00
